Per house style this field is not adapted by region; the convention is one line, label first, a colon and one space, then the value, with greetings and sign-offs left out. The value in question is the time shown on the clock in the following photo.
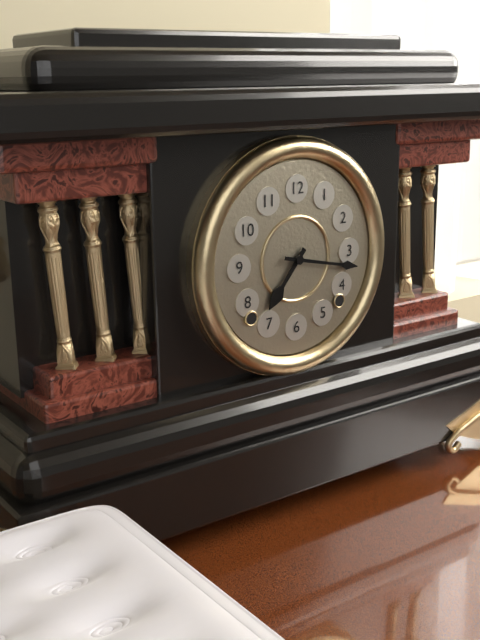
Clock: 7:17
